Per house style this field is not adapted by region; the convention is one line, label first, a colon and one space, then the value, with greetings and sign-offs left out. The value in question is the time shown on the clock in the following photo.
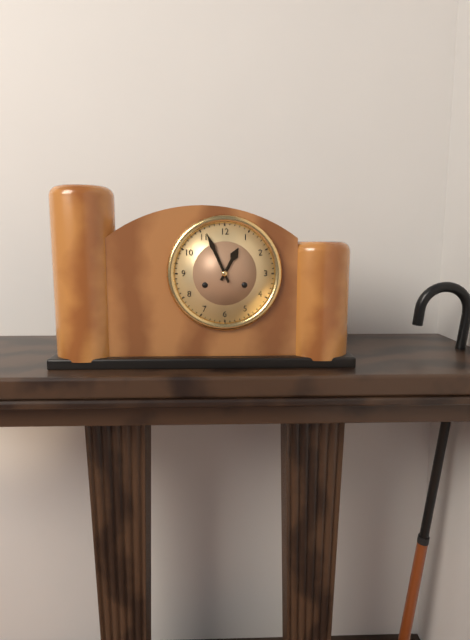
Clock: 12:56
